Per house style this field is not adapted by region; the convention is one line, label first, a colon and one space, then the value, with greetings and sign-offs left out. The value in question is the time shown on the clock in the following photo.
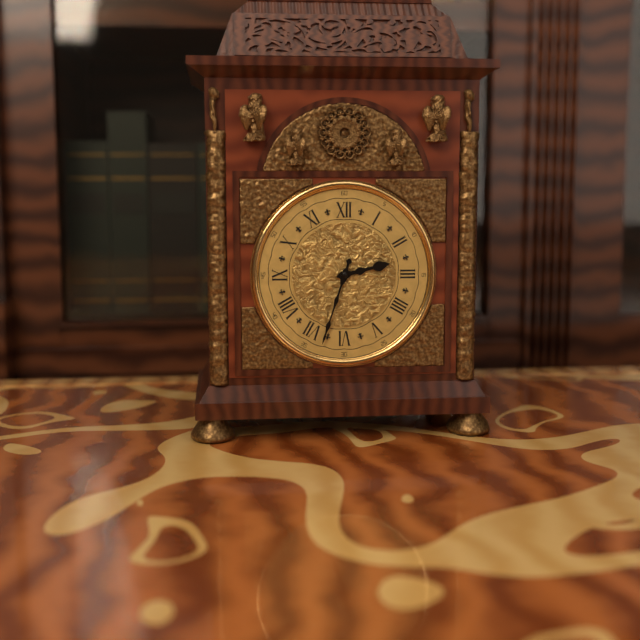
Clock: 2:33
